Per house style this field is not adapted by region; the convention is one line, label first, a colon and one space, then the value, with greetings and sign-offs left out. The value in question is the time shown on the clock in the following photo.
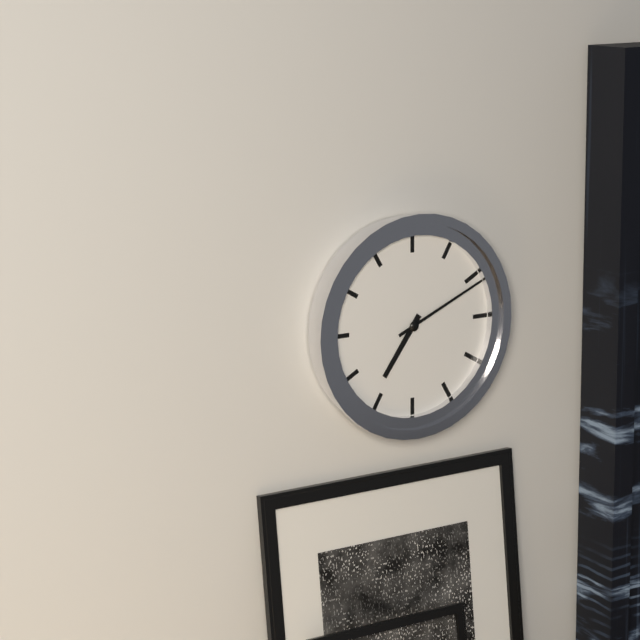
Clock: 7:11
